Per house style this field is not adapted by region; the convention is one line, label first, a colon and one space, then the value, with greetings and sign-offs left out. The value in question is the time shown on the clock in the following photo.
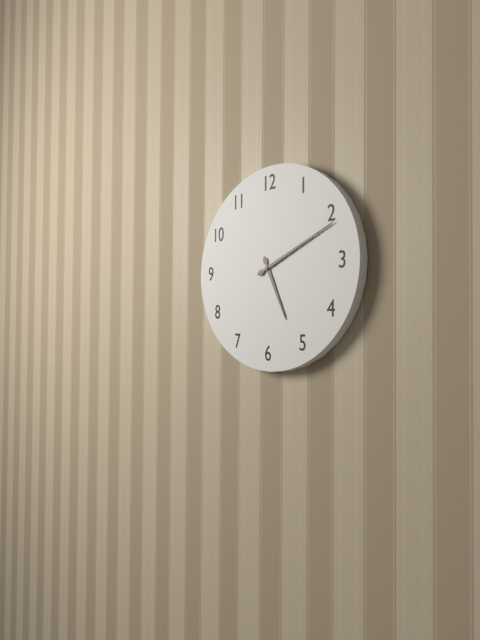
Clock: 5:11
